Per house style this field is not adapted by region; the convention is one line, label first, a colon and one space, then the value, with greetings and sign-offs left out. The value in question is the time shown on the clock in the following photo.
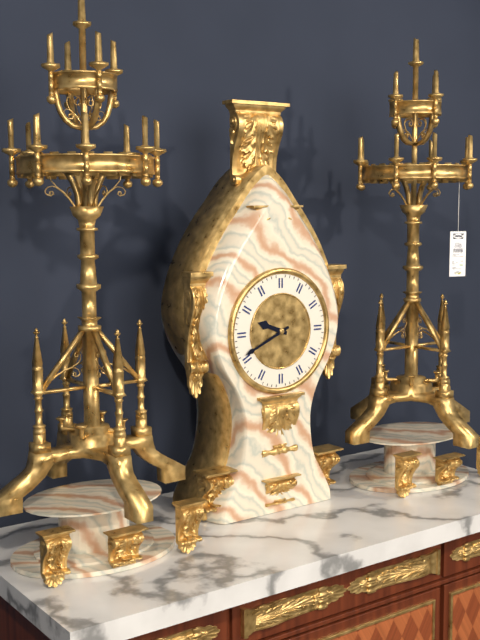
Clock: 9:41
